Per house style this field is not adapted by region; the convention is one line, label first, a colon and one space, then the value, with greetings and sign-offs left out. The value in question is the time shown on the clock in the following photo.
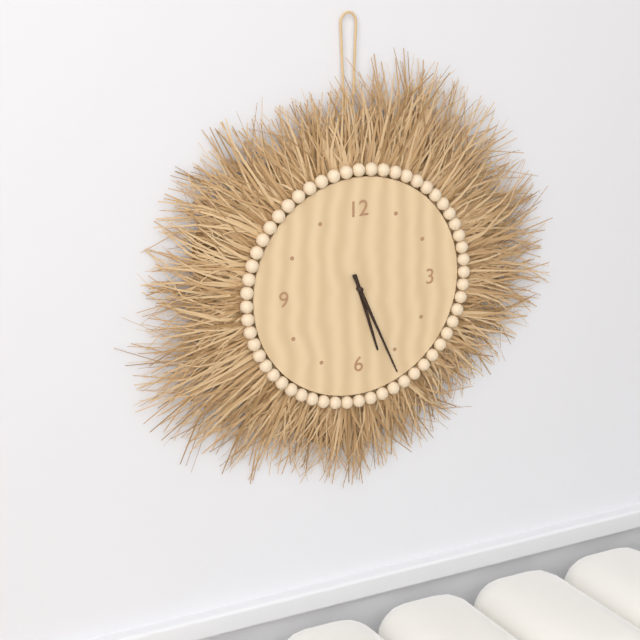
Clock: 5:26
